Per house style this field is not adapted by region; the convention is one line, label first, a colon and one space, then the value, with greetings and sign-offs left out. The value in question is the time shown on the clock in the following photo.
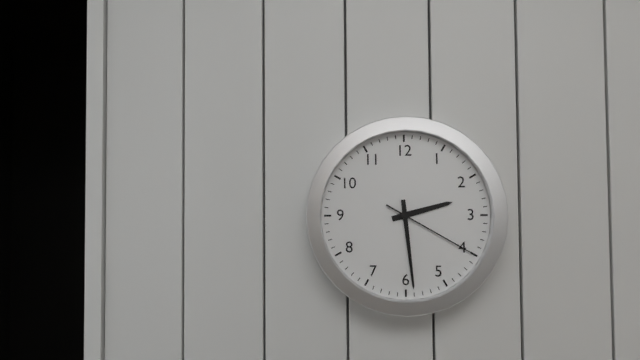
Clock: 2:29:20
